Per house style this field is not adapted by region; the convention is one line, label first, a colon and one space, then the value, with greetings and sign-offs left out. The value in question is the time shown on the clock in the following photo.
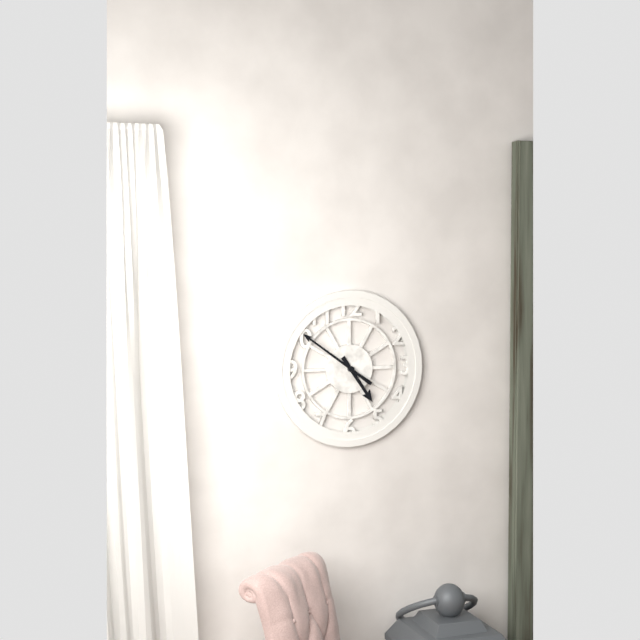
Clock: 4:51
